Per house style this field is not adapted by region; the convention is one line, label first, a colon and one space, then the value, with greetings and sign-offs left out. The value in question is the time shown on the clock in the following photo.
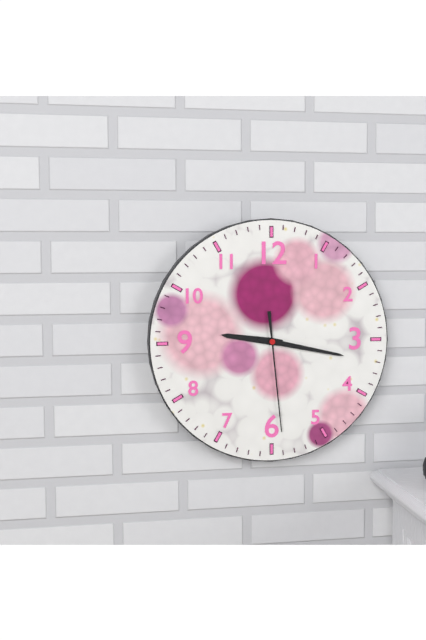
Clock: 9:17:29
